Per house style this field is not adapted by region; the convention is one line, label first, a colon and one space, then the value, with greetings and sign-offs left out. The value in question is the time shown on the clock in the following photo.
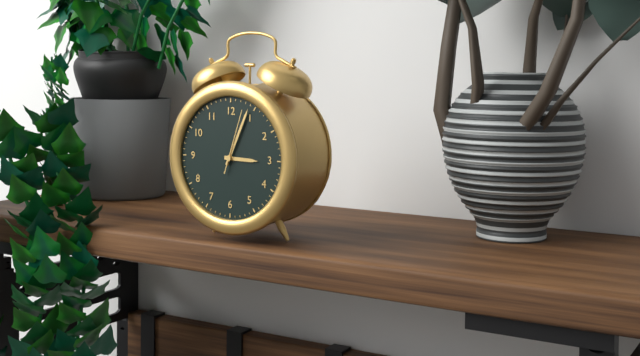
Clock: 3:04:03
